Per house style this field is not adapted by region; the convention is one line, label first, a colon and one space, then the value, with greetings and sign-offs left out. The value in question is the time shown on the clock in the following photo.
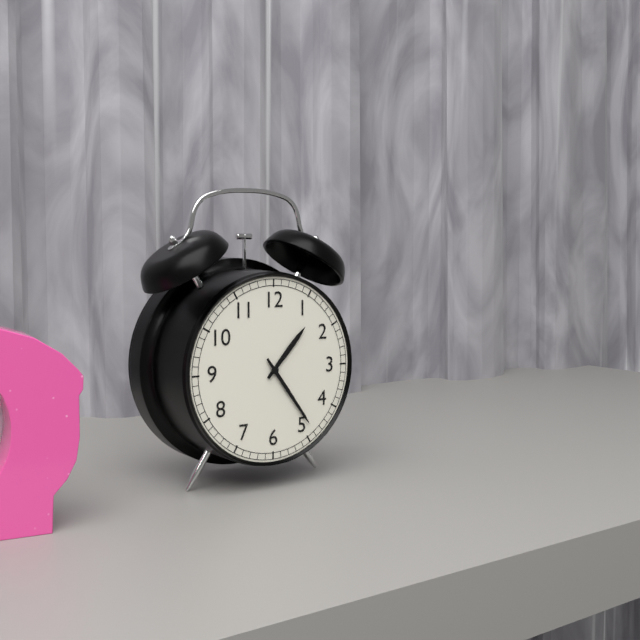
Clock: 1:24
